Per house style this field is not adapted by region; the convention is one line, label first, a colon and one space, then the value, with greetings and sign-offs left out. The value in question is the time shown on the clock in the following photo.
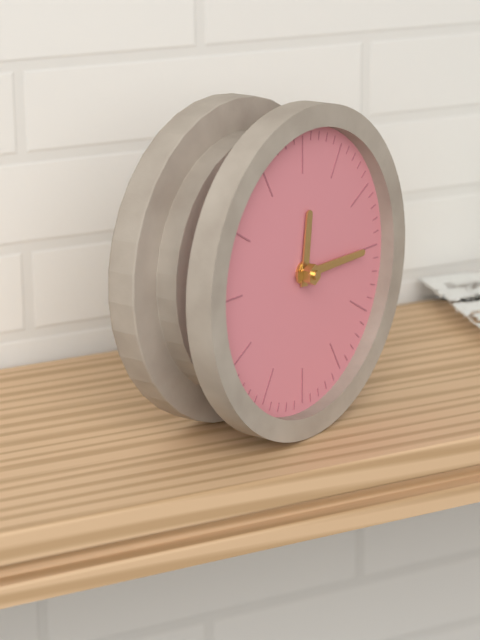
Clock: 12:15
